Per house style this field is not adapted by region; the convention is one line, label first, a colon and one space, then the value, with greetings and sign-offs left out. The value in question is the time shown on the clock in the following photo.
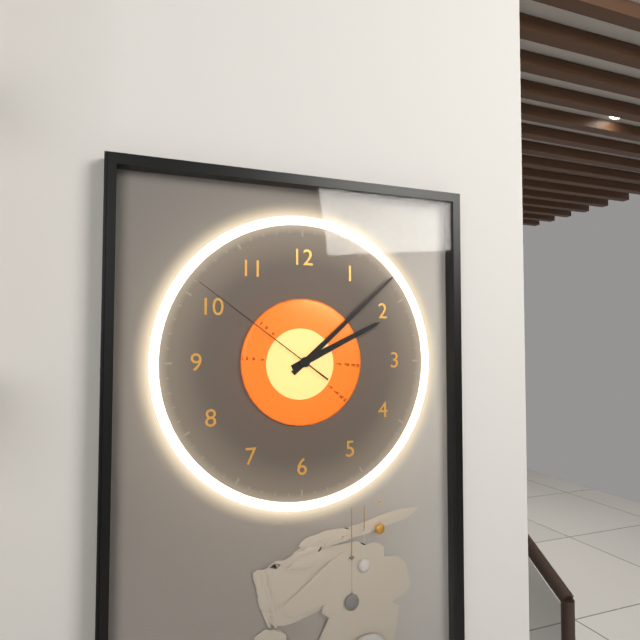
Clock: 2:08:51
